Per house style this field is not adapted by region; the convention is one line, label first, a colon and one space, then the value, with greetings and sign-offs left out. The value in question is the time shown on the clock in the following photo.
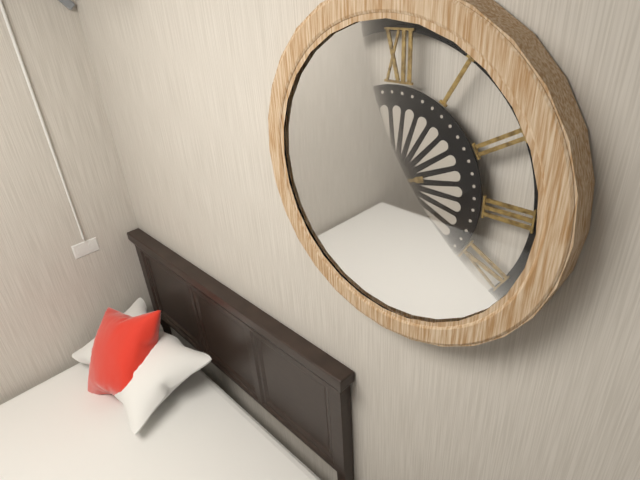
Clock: 10:42
